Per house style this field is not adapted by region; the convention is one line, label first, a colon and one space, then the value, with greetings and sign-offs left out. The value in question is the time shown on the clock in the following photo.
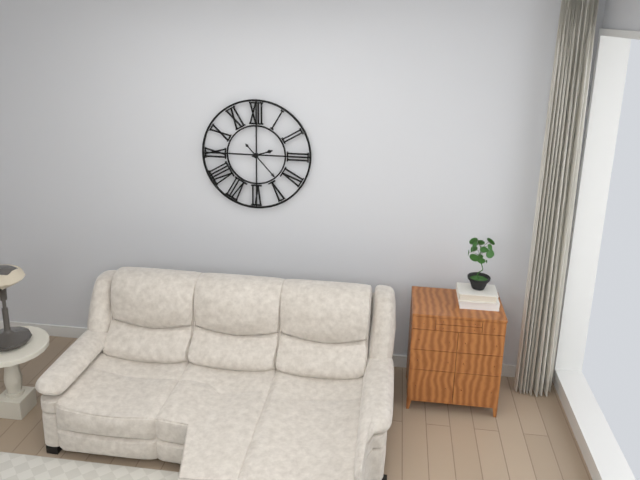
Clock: 2:23
